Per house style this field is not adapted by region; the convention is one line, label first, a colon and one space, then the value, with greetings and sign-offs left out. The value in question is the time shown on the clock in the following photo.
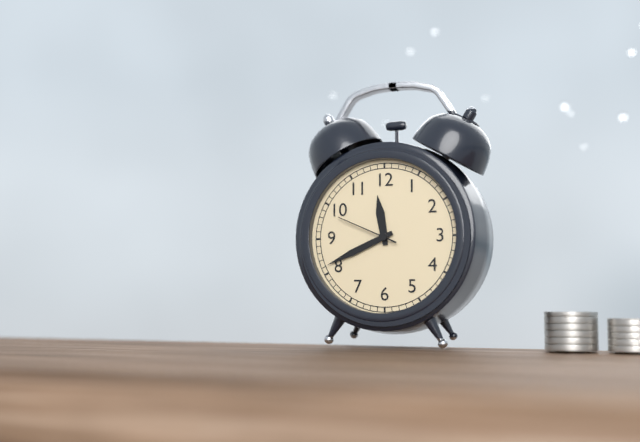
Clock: 11:41:49
